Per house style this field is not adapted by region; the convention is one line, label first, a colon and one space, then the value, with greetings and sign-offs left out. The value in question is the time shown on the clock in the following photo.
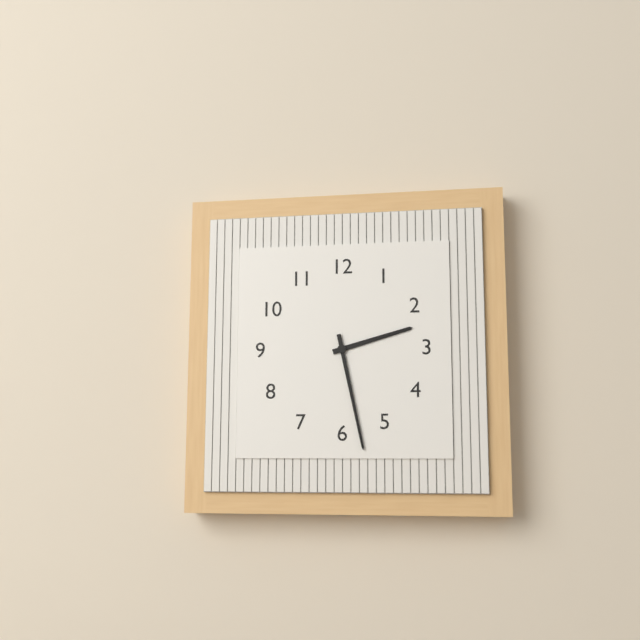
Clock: 2:28
